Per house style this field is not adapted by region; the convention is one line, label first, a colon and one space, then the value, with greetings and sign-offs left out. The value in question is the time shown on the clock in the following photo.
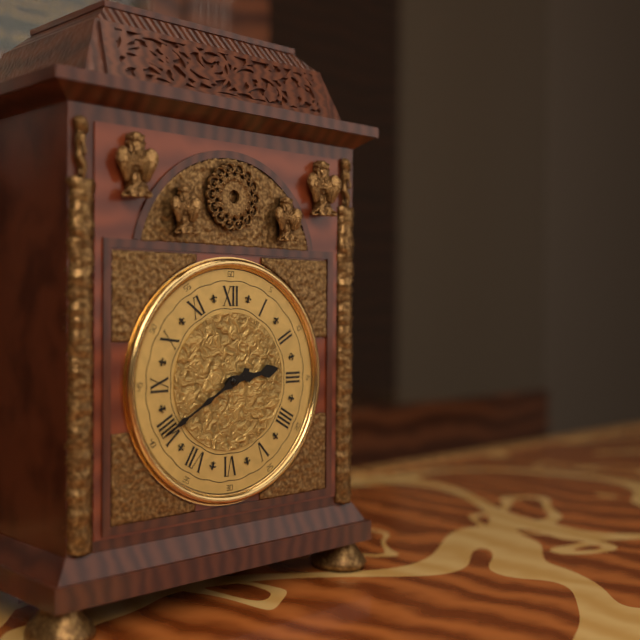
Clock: 2:40
